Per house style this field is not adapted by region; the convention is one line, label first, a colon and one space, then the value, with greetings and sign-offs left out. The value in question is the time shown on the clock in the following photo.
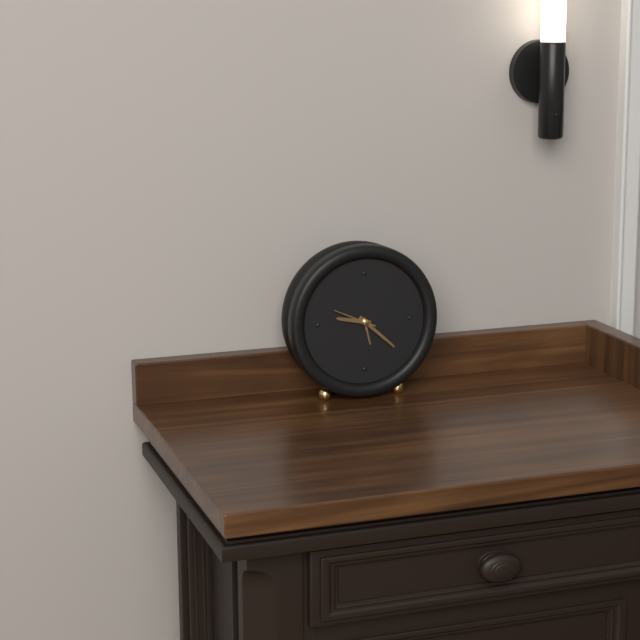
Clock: 9:22
